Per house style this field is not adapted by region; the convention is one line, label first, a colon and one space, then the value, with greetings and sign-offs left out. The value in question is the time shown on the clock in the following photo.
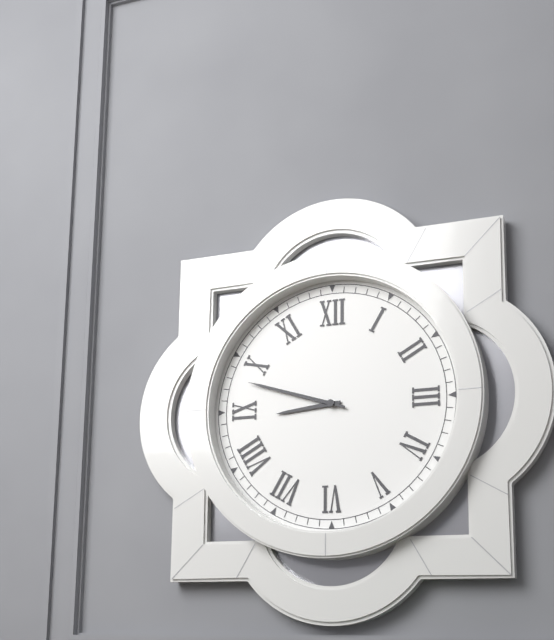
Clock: 8:48
